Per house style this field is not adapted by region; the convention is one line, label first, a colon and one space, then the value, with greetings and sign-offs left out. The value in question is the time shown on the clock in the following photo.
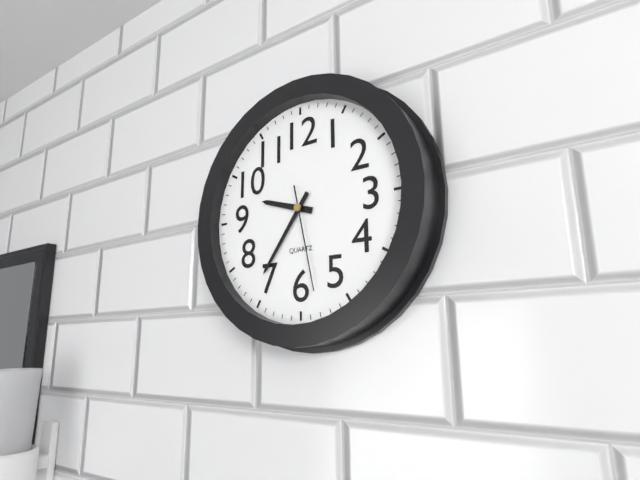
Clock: 9:36:28
